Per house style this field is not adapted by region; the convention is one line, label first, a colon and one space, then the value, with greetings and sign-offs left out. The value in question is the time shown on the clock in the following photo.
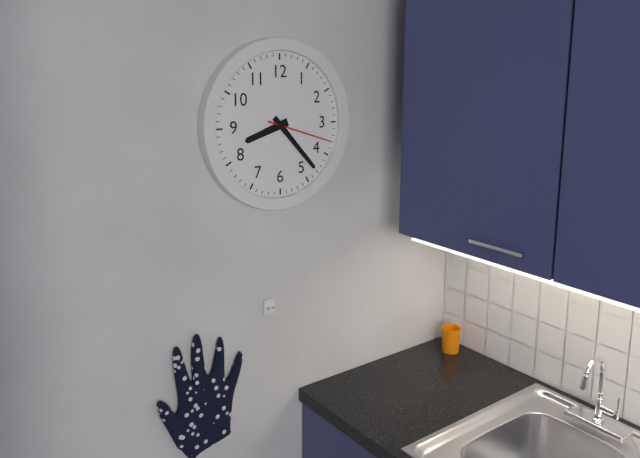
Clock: 8:23:18
